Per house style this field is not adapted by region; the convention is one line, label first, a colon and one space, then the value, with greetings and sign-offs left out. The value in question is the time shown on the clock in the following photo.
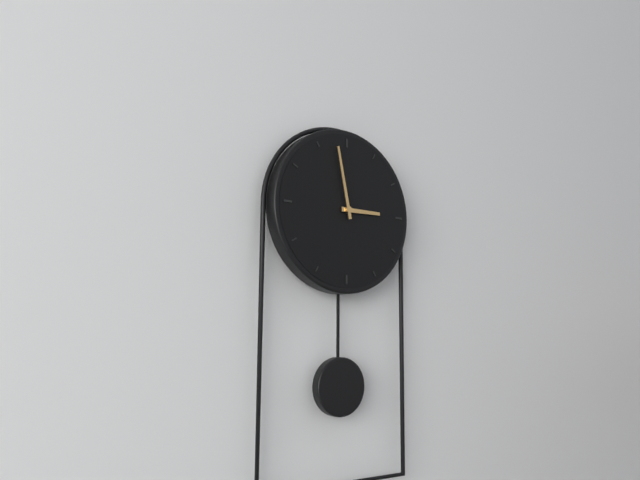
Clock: 2:58
